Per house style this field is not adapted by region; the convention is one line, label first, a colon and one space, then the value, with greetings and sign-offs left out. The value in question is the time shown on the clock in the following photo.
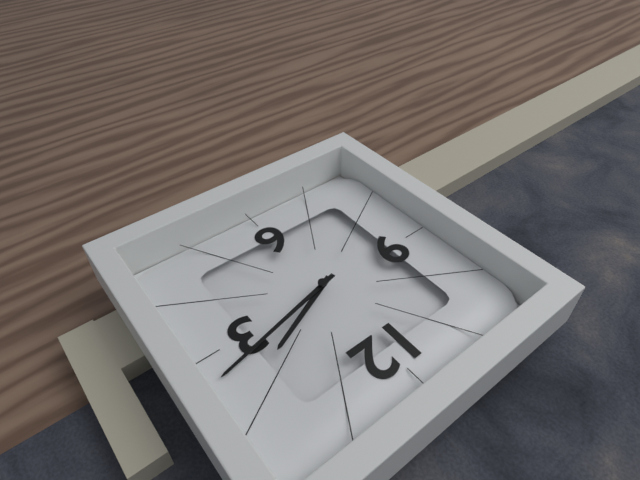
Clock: 2:13
